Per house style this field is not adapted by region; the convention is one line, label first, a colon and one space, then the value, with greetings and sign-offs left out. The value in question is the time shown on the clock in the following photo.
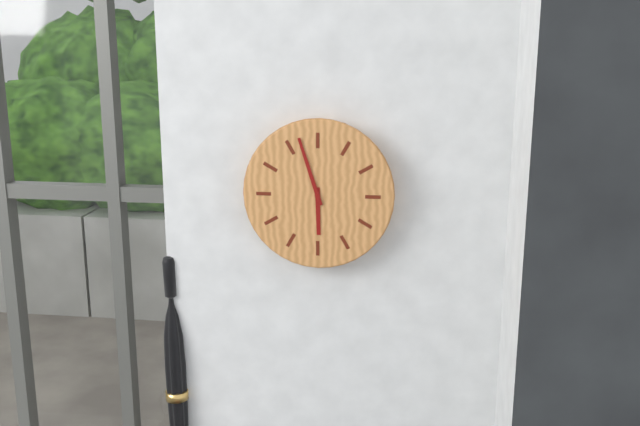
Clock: 5:57
